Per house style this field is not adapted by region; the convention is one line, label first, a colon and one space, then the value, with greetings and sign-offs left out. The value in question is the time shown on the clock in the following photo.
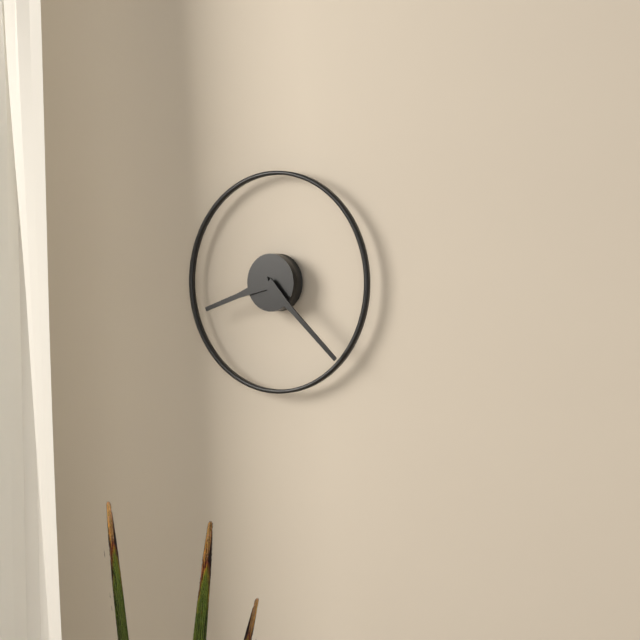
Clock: 8:22
